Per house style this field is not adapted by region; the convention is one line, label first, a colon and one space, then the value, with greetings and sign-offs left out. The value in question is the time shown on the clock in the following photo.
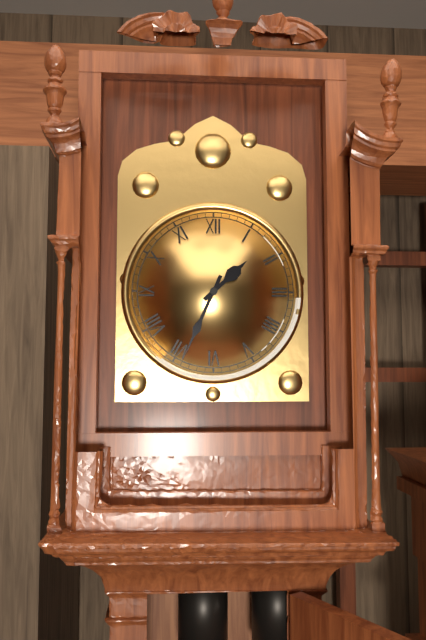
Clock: 1:34
